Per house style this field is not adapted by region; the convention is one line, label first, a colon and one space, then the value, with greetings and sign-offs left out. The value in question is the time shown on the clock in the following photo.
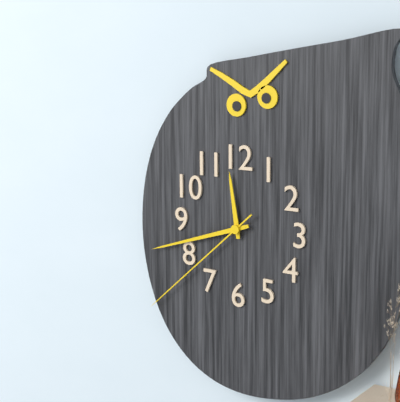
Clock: 11:42:38
